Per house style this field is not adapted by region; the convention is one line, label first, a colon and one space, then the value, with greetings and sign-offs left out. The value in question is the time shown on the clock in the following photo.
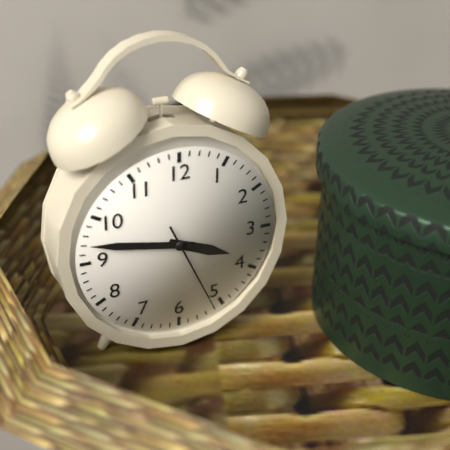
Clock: 3:47:26
